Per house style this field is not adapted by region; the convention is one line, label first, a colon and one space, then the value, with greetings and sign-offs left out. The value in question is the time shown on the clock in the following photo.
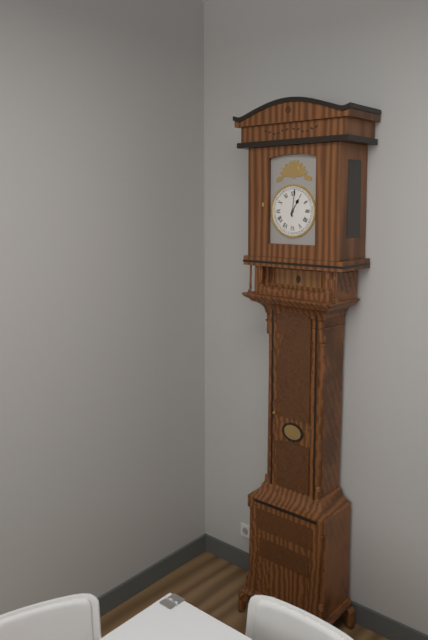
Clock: 1:01
